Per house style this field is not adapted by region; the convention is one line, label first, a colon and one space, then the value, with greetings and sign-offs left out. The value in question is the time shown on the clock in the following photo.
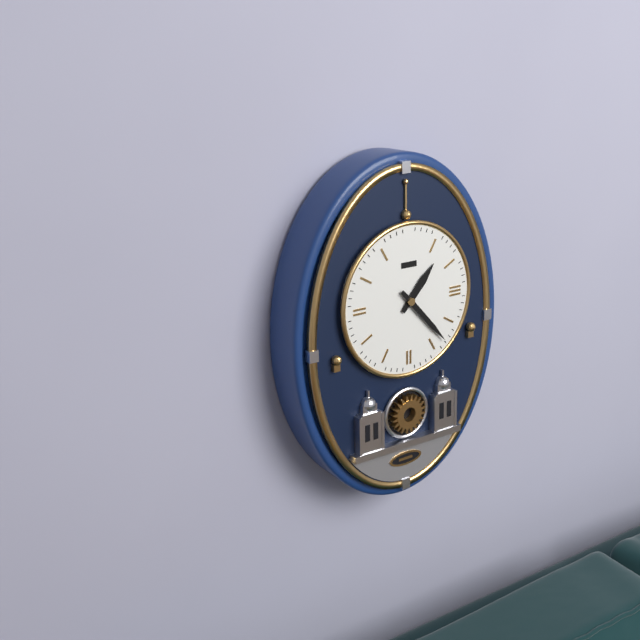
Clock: 1:23
